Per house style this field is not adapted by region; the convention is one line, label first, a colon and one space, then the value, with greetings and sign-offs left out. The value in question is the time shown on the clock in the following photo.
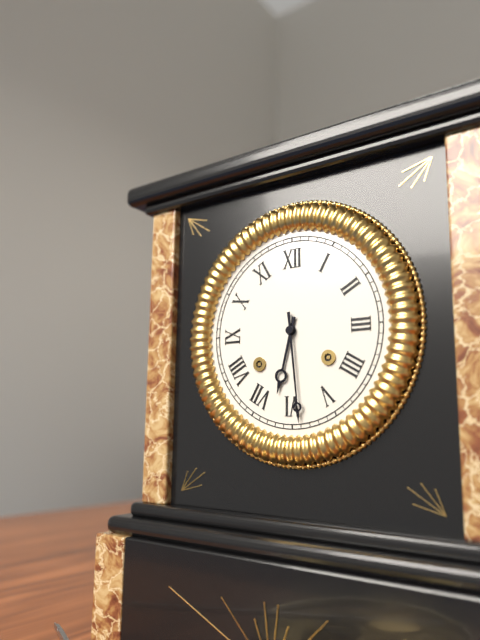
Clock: 6:29
